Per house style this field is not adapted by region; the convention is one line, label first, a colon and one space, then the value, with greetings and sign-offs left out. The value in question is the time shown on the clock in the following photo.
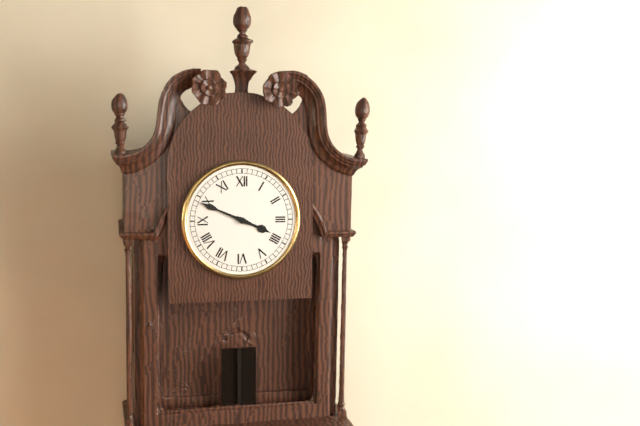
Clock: 3:49
